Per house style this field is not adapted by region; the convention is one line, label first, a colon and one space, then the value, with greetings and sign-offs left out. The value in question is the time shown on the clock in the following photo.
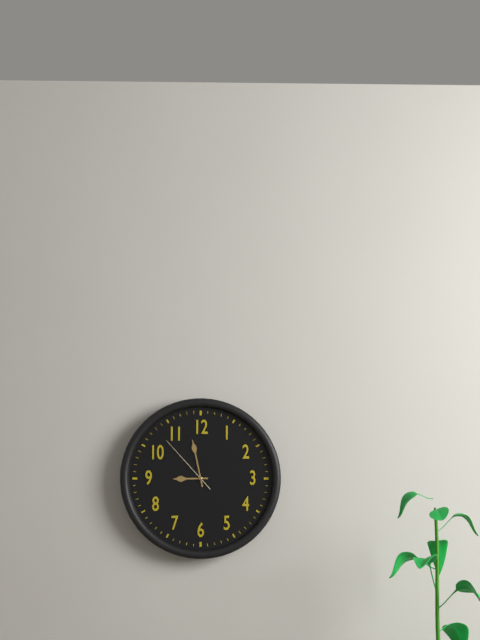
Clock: 8:58:53
